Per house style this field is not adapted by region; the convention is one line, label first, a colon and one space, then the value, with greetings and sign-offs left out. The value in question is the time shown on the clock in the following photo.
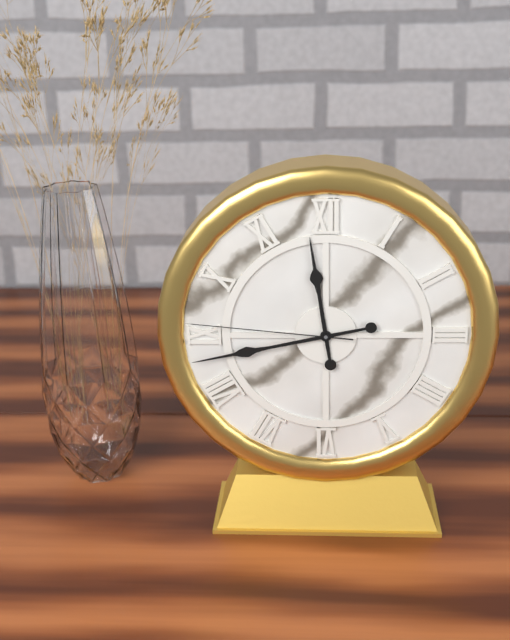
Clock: 11:43:46
